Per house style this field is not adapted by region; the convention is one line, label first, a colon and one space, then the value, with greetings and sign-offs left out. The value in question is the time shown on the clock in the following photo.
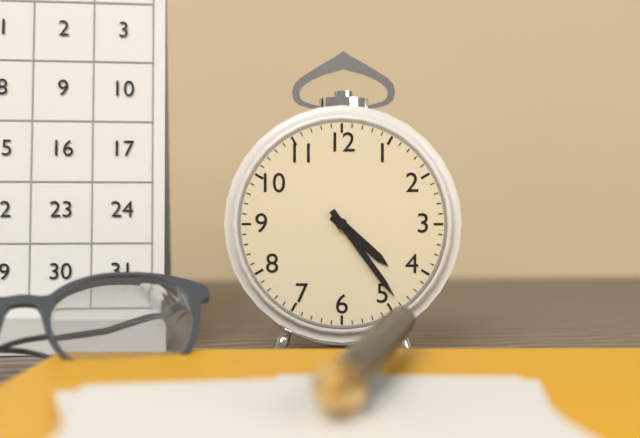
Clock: 4:24
